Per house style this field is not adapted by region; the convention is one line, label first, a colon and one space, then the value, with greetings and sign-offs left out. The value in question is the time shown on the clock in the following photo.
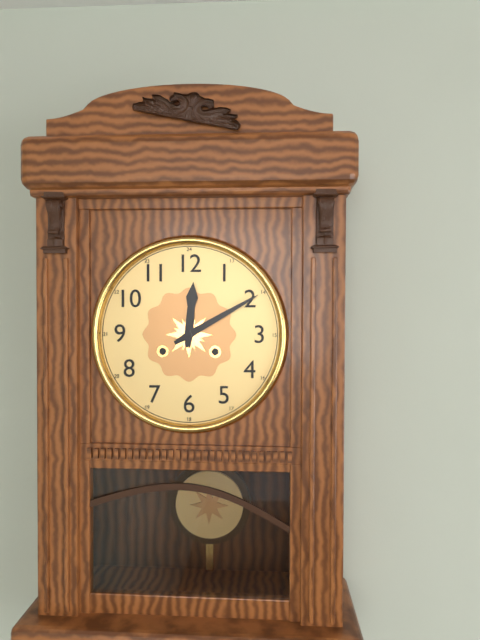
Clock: 12:10
